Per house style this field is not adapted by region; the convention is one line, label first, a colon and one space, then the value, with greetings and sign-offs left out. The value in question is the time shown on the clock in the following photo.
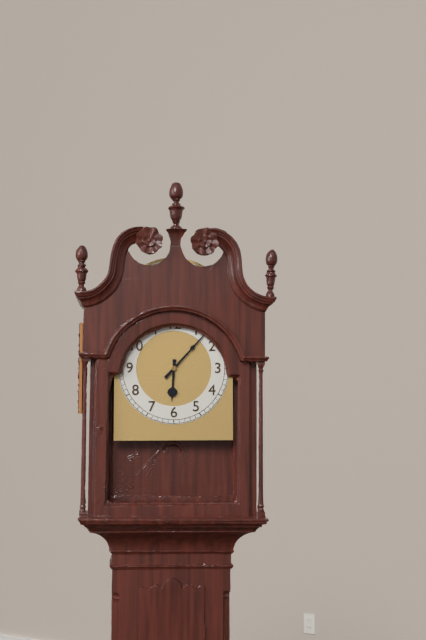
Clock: 6:07
